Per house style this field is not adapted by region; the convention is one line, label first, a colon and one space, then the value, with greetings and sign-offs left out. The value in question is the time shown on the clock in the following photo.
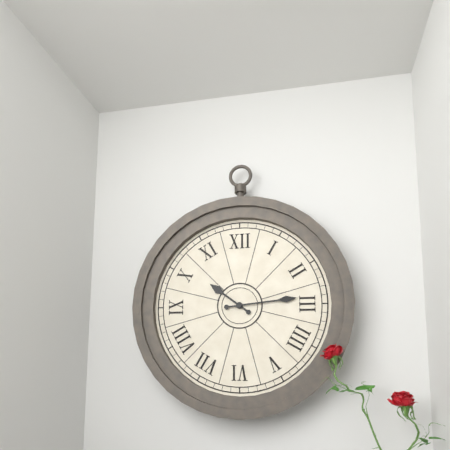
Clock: 10:14
